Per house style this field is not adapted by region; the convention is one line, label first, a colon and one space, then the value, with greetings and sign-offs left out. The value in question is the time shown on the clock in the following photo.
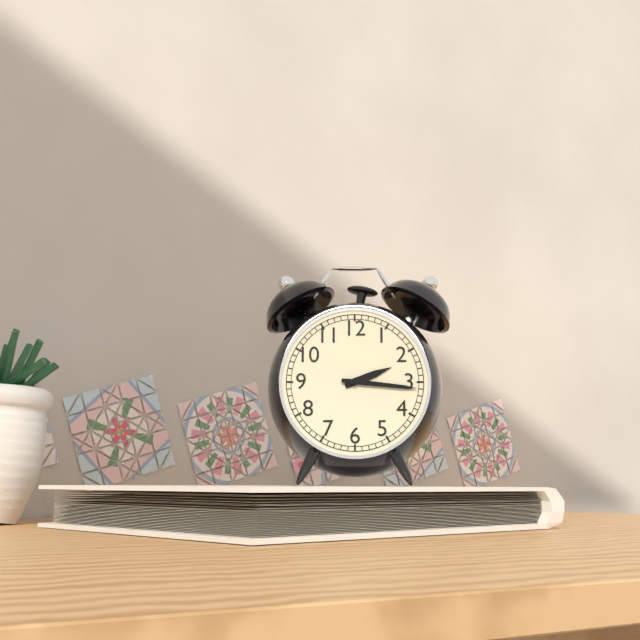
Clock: 2:16
